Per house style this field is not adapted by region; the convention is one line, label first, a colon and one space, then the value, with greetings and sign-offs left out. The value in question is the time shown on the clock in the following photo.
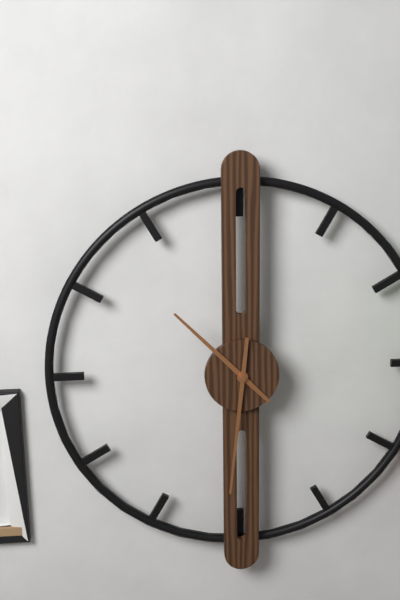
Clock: 10:31
